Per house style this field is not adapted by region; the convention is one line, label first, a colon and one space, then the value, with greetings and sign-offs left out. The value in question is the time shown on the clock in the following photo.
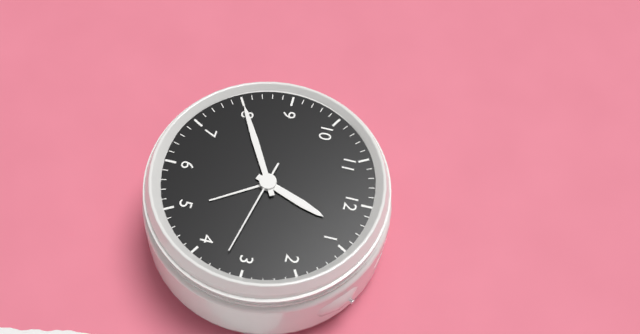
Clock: 12:40:17
